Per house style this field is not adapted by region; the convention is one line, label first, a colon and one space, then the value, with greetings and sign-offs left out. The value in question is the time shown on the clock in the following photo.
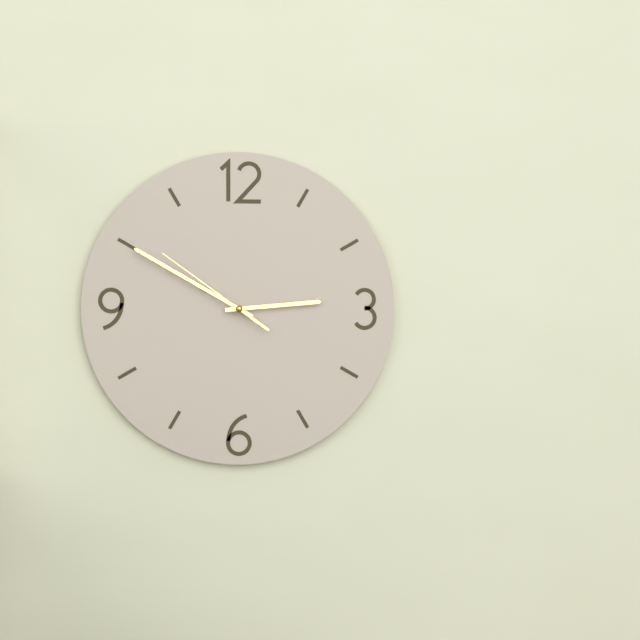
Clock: 2:50:51
